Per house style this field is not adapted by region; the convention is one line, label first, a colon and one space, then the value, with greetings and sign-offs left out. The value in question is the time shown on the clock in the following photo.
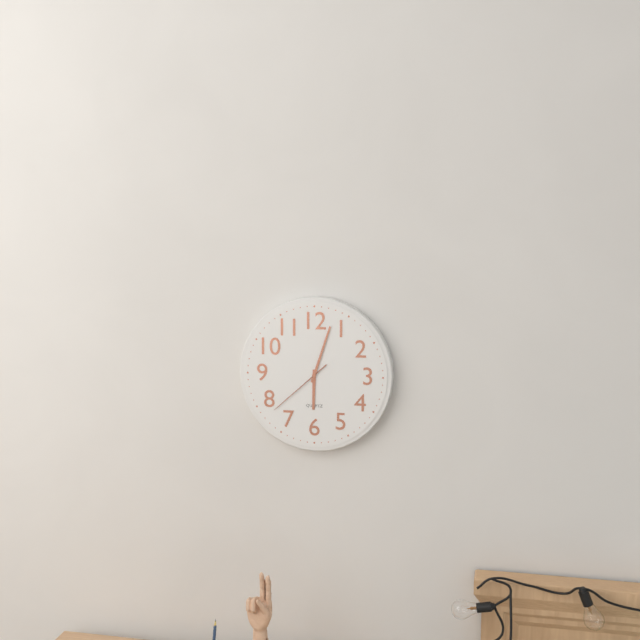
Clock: 6:03:38
